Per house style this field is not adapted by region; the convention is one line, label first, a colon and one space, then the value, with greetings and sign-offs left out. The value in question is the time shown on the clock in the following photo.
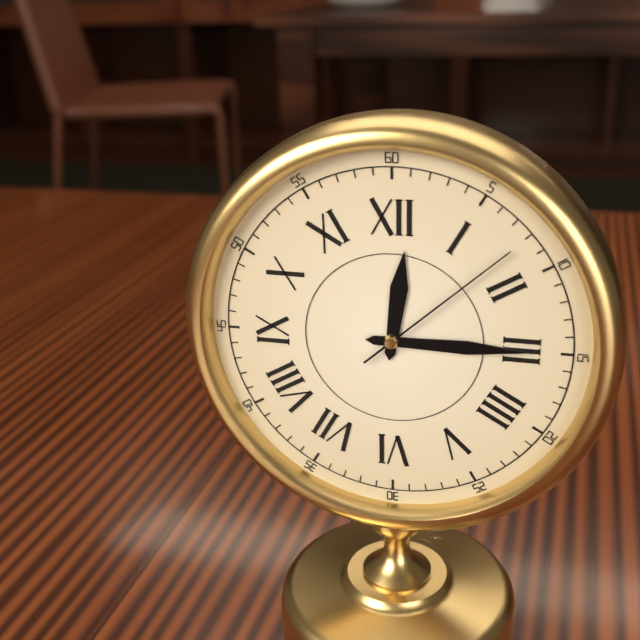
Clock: 12:15:08
